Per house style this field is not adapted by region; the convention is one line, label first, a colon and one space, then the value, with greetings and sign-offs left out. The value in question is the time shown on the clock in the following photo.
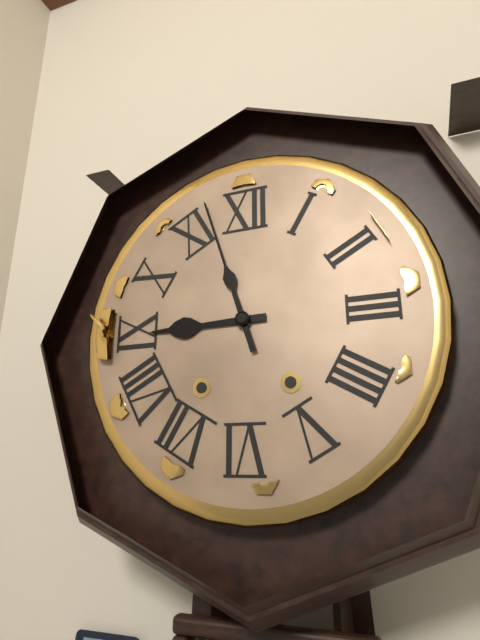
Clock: 8:57
